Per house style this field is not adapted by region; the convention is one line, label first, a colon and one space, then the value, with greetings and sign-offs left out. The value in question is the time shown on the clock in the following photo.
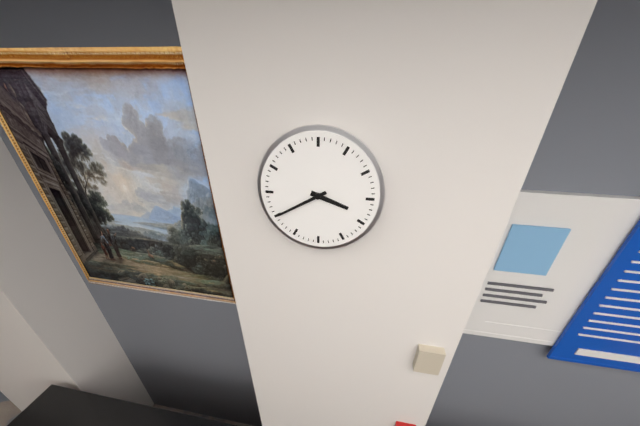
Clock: 3:40
